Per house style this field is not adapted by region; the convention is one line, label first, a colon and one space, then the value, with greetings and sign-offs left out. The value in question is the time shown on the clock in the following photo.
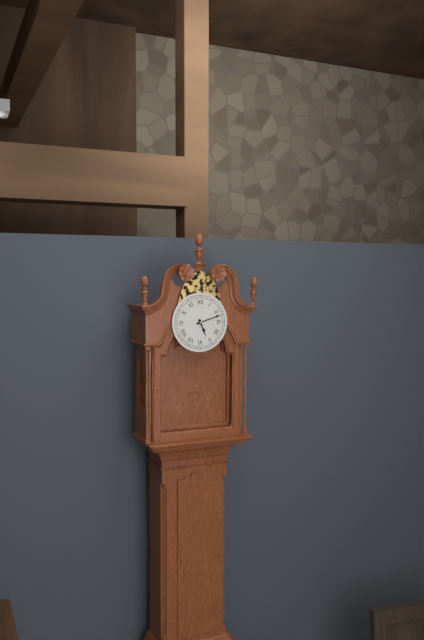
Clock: 5:12
